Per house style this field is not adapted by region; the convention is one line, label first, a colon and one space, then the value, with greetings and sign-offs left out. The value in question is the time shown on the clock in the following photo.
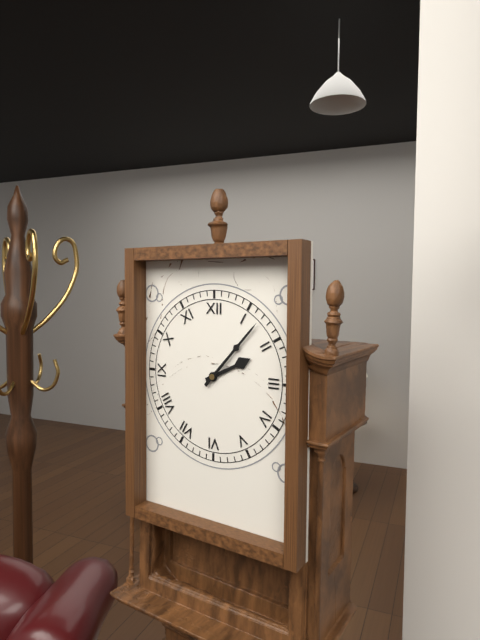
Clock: 2:07
